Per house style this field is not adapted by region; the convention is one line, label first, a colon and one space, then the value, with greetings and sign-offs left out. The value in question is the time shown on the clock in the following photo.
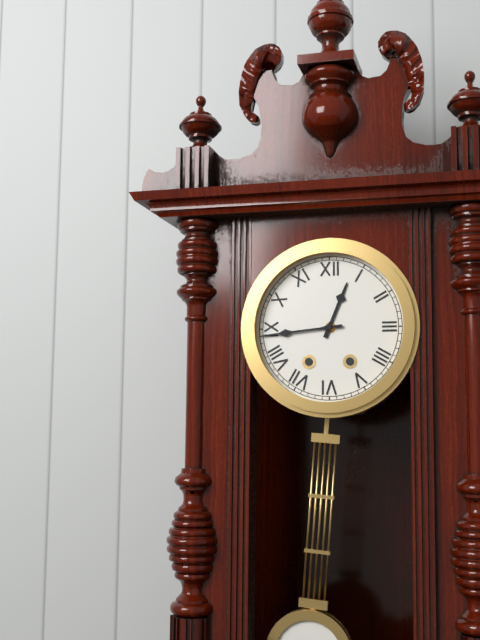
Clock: 12:44
